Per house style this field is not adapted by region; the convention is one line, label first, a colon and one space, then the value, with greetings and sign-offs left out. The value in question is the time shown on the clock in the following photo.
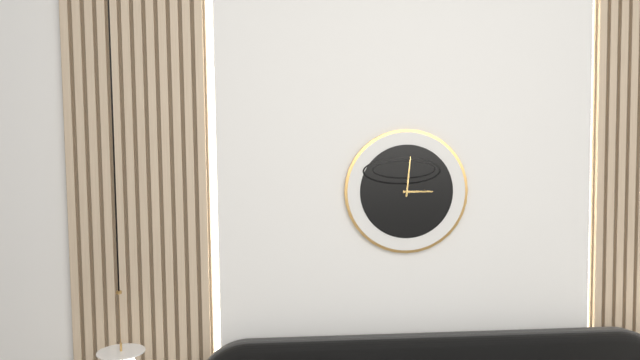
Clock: 3:01
